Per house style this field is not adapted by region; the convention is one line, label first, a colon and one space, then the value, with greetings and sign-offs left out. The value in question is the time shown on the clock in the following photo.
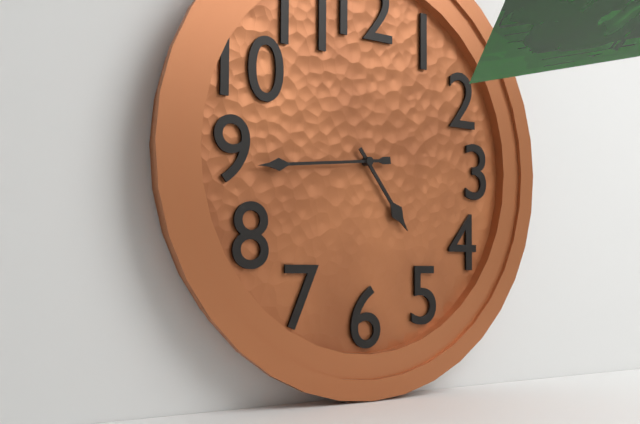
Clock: 4:44
